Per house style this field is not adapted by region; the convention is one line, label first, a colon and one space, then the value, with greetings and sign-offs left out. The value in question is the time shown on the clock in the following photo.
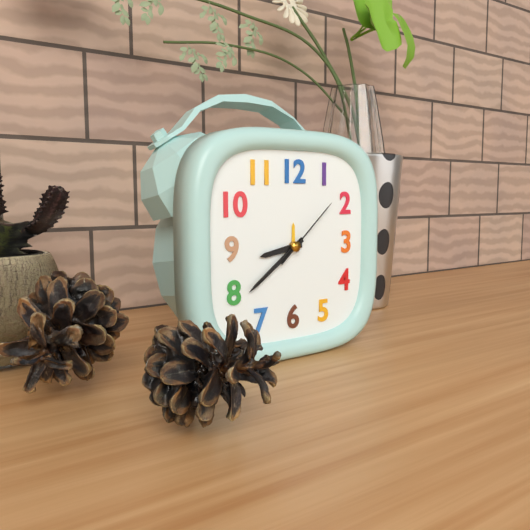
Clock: 8:39:08
